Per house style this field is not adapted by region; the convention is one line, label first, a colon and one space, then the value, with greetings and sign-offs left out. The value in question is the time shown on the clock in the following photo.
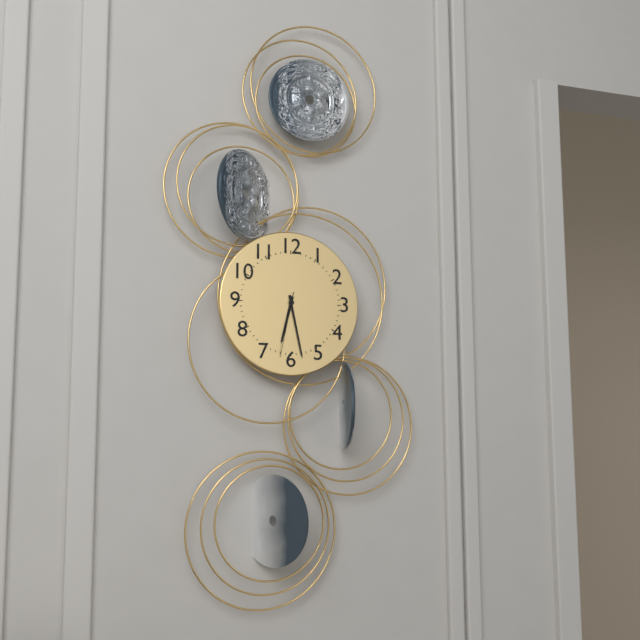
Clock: 6:28:32
